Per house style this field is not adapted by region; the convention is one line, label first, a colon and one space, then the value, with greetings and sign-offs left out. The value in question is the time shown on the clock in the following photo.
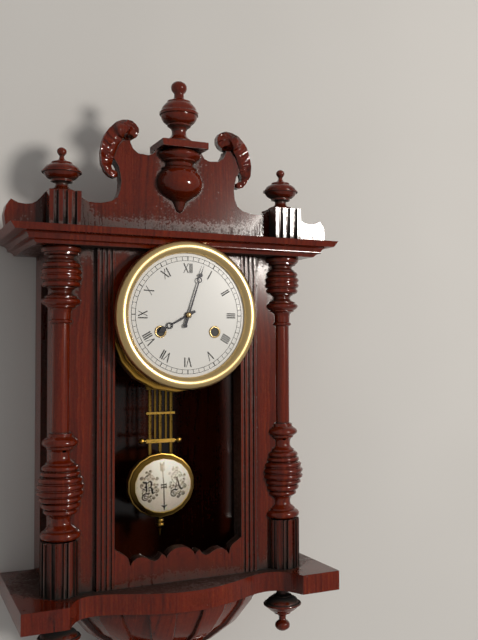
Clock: 8:03
